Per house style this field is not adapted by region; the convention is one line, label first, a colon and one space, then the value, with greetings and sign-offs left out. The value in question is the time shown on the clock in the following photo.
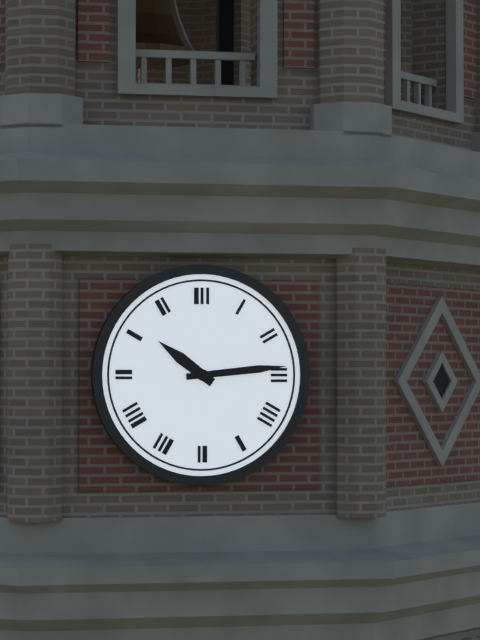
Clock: 10:14
